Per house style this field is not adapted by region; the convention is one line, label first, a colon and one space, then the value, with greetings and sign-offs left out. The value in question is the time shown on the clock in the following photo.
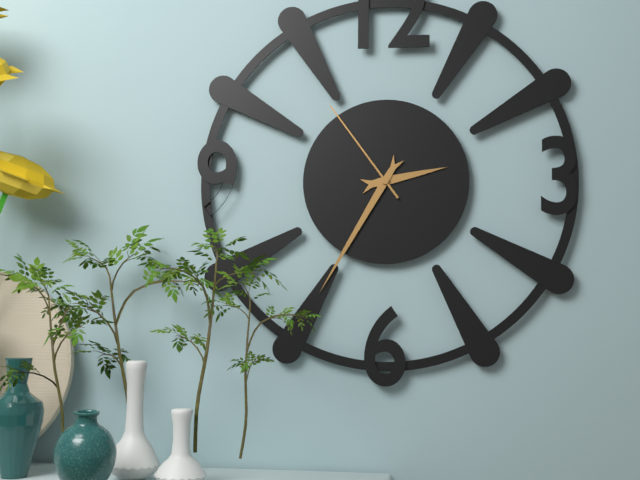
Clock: 2:35:54
